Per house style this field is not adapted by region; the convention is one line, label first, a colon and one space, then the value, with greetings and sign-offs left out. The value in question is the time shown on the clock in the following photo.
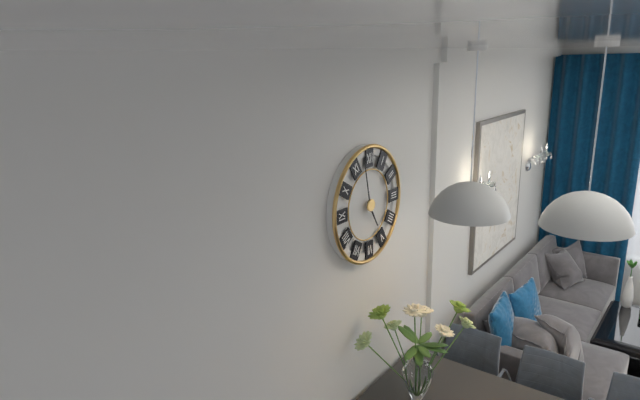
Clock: 4:58
